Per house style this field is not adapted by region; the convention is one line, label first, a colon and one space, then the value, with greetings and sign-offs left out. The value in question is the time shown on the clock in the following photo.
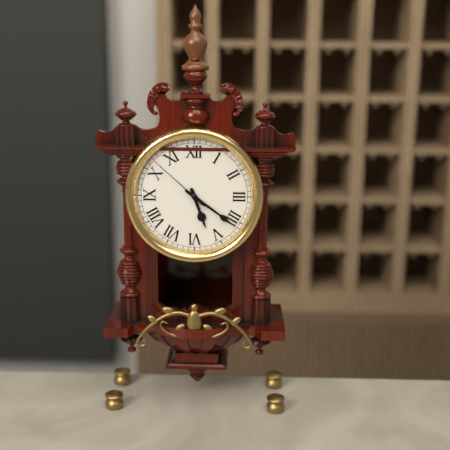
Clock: 5:21:52
